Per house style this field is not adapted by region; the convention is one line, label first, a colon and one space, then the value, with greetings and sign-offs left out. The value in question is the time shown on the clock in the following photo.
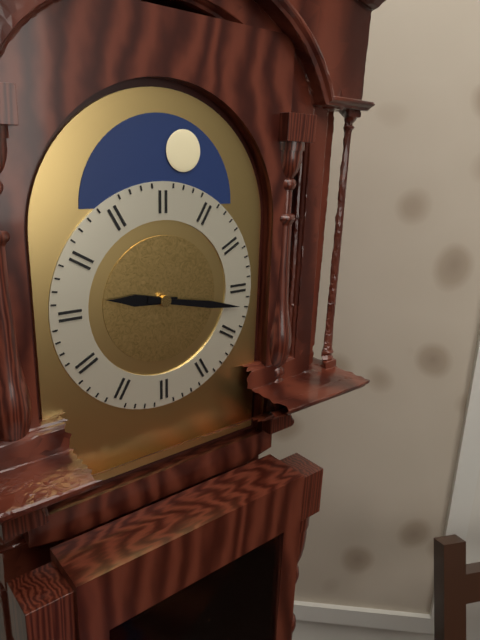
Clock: 9:17
